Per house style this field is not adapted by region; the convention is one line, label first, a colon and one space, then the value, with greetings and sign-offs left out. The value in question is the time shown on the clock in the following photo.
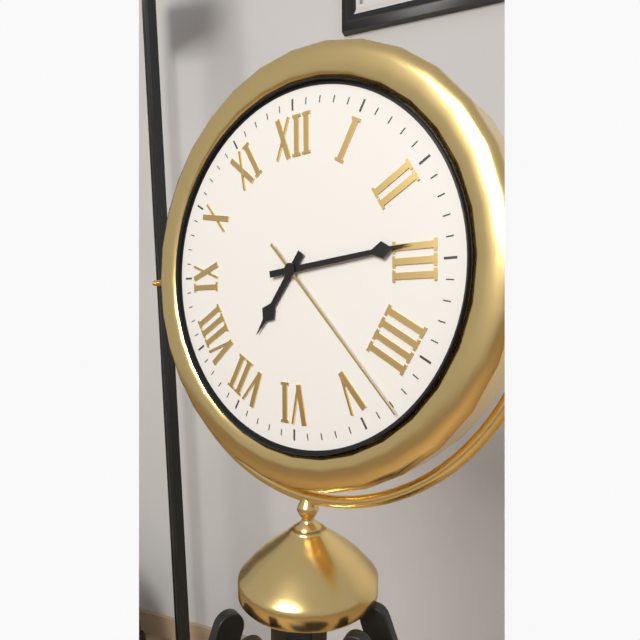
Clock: 7:14:23
